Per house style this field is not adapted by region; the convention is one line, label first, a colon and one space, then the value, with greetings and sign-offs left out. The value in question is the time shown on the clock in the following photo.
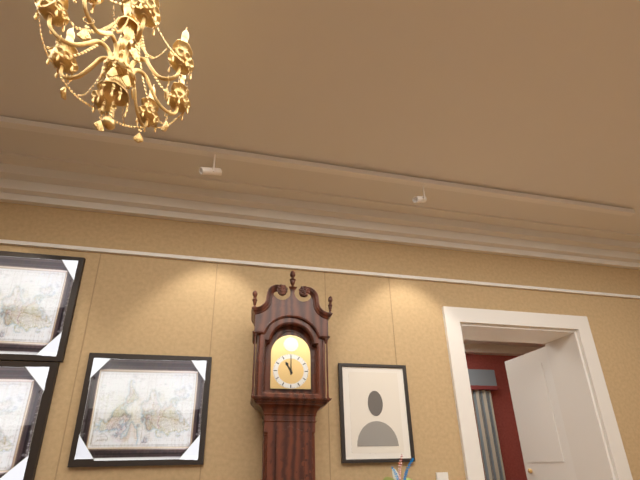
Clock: 11:00
